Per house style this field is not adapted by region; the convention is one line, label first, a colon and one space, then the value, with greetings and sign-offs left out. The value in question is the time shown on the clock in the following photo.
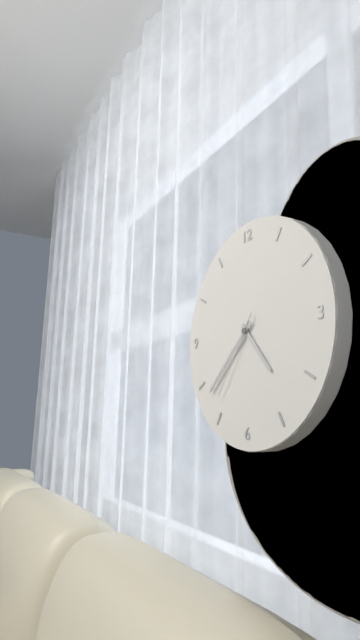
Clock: 4:38:36
